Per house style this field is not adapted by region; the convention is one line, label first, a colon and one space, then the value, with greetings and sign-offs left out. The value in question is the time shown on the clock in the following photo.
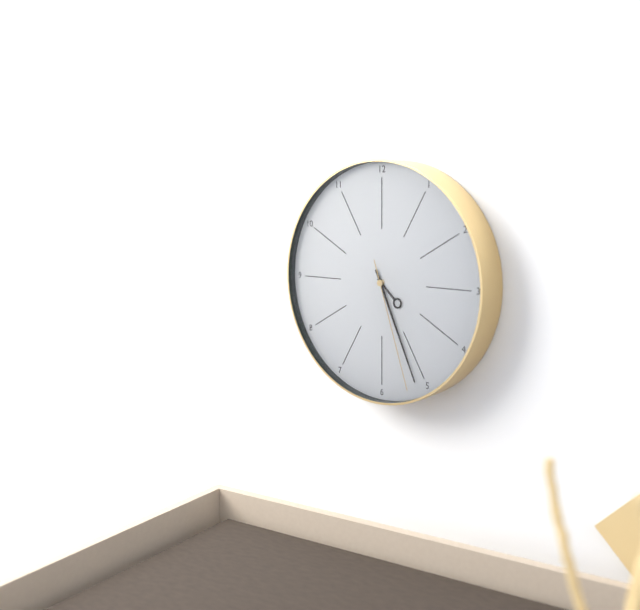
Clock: 4:26:27
